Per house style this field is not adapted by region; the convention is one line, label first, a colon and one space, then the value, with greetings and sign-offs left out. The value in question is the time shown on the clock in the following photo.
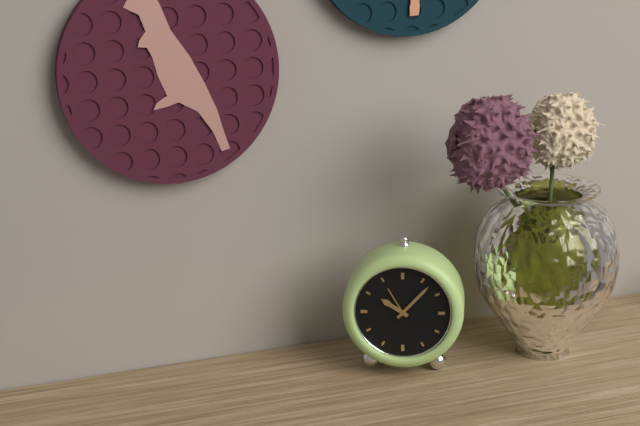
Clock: 10:07
